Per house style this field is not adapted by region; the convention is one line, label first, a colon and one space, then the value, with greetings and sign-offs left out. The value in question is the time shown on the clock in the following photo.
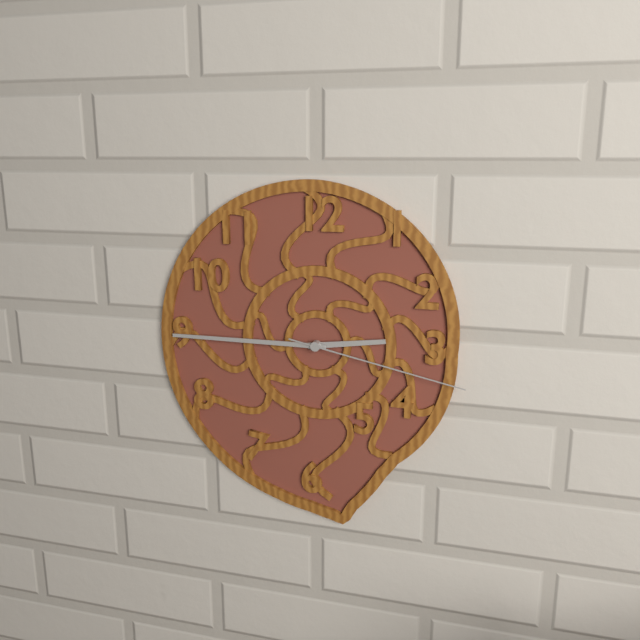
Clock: 2:45:17
